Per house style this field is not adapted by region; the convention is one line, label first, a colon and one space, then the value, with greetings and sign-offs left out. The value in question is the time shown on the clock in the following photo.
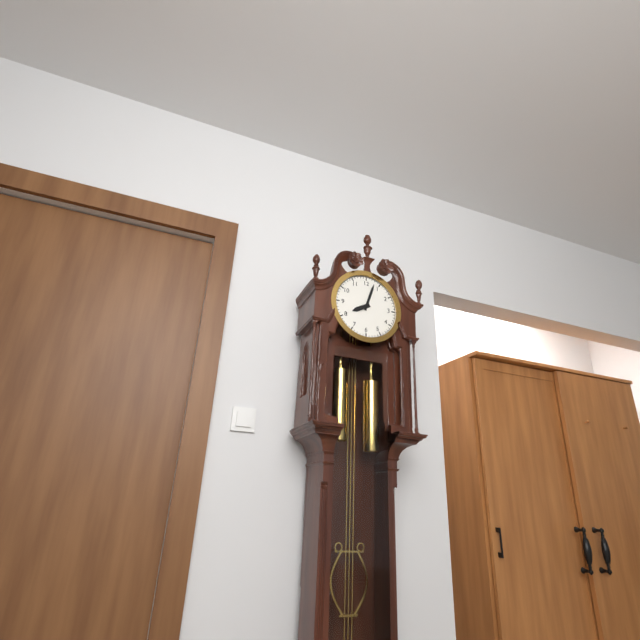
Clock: 8:03
